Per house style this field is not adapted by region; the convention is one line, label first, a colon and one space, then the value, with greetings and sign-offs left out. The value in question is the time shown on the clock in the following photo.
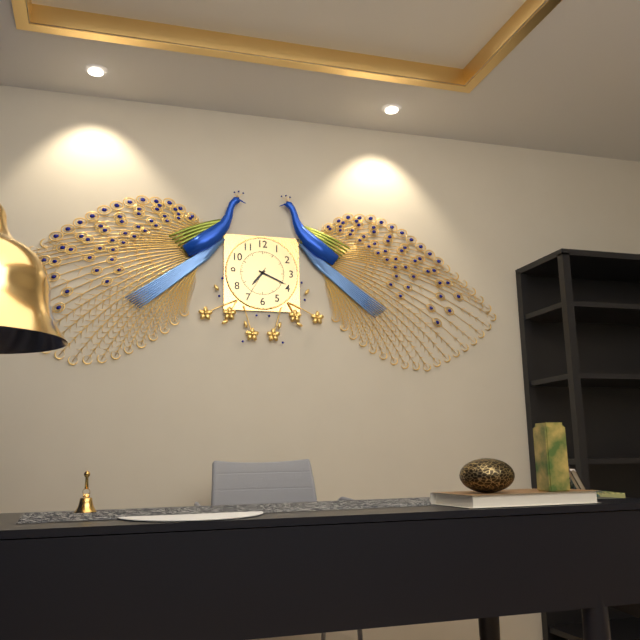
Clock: 7:19
